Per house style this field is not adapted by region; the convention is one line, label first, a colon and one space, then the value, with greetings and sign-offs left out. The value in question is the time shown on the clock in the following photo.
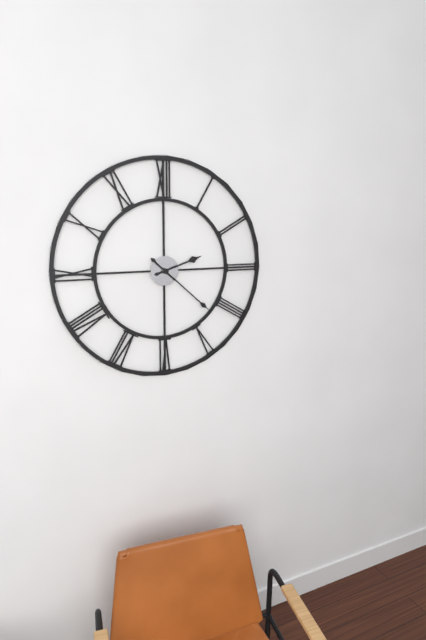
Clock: 2:22
